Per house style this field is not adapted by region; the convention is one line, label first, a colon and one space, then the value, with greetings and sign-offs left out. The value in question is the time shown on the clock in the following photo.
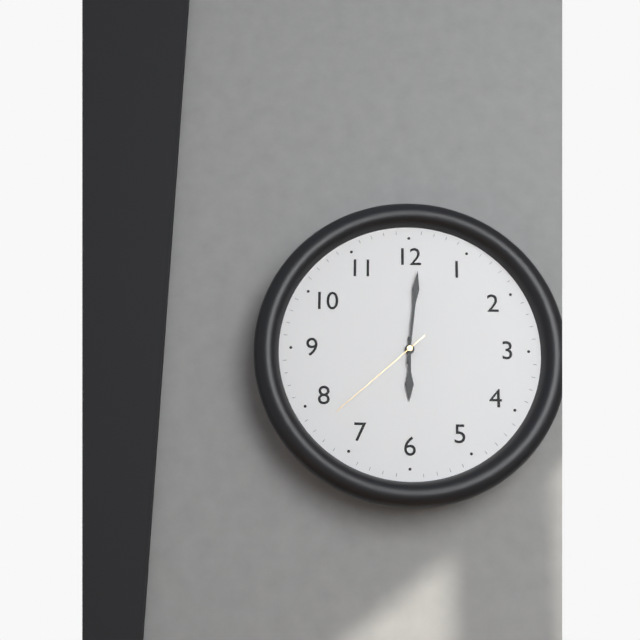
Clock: 6:01:38
